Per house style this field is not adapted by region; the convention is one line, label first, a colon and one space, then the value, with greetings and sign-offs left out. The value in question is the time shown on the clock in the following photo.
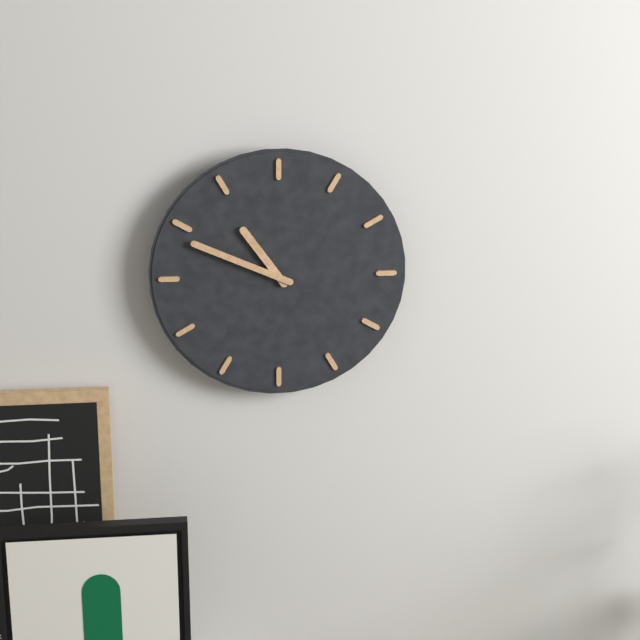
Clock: 10:49
